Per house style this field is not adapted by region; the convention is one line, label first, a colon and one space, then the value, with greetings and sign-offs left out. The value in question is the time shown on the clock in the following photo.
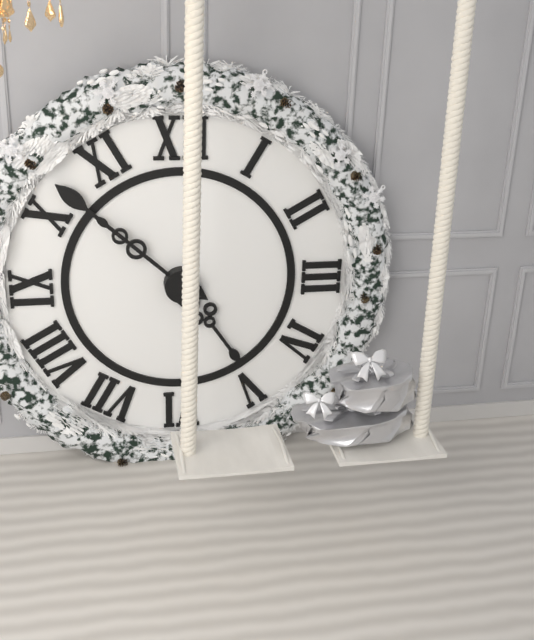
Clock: 4:52
